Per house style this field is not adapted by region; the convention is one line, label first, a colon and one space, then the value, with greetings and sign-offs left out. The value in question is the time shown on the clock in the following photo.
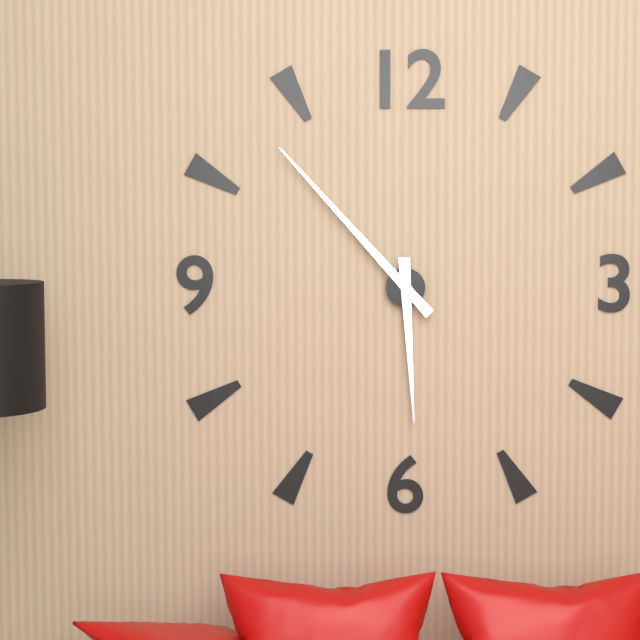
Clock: 5:53
